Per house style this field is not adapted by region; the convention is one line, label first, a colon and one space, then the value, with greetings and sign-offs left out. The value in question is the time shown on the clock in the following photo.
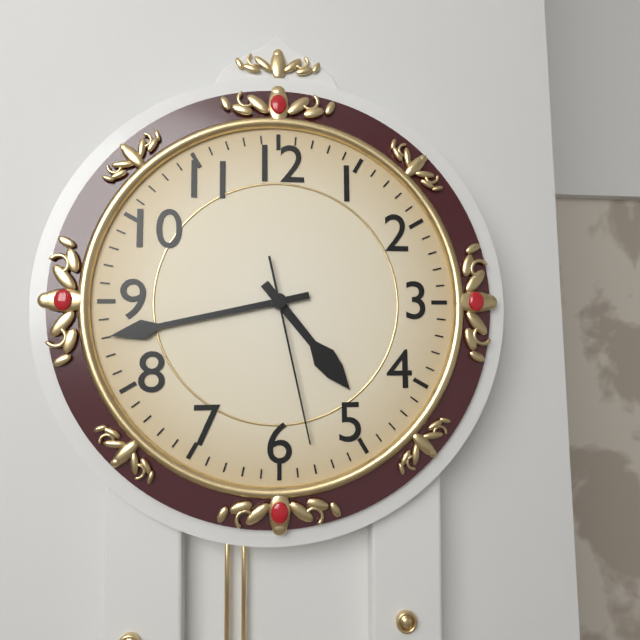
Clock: 4:43:28
